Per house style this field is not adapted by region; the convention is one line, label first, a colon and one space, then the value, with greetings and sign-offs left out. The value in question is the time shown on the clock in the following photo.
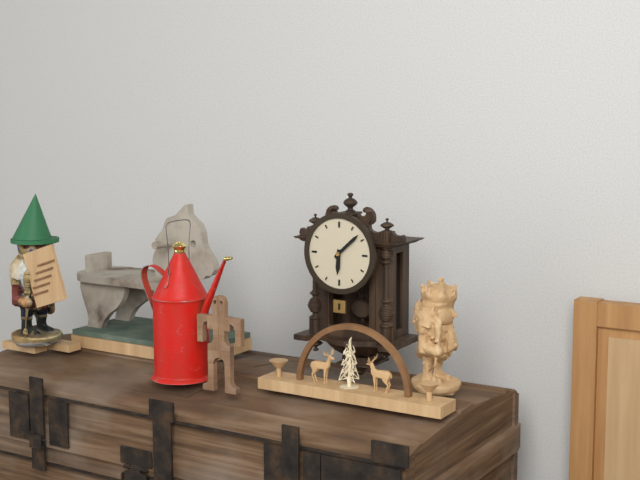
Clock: 6:08
